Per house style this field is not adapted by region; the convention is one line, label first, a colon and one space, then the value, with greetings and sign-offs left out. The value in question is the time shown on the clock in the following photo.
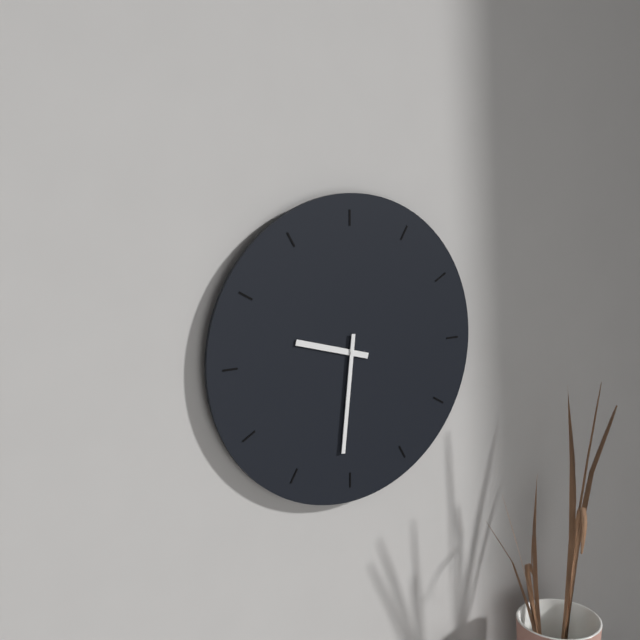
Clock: 9:31
